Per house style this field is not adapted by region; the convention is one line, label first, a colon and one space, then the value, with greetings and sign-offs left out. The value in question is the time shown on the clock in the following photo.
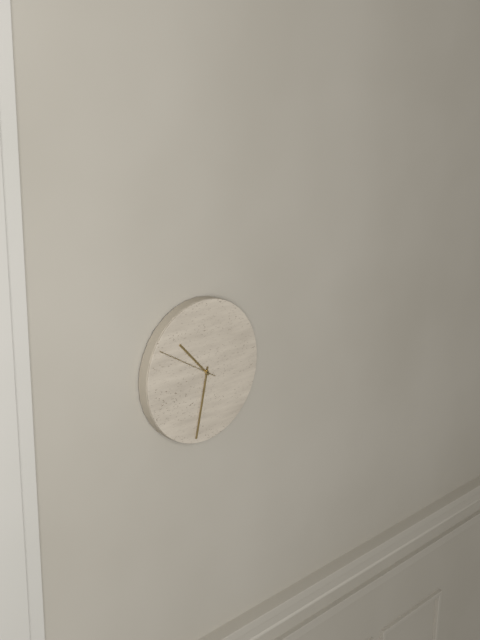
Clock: 10:32:50
